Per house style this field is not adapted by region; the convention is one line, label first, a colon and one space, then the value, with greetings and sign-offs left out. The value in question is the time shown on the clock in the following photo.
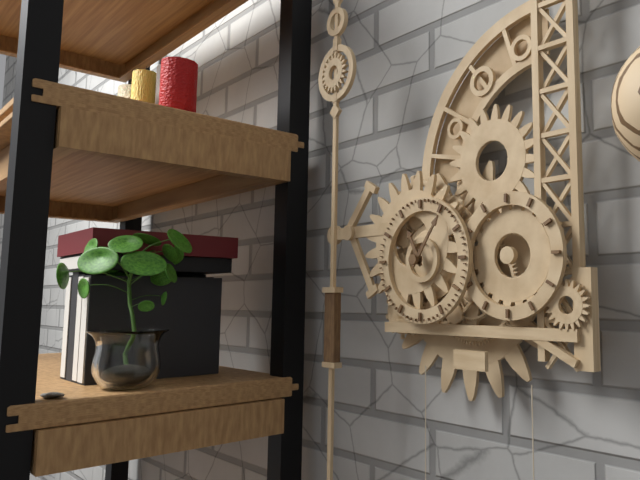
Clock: 11:06
